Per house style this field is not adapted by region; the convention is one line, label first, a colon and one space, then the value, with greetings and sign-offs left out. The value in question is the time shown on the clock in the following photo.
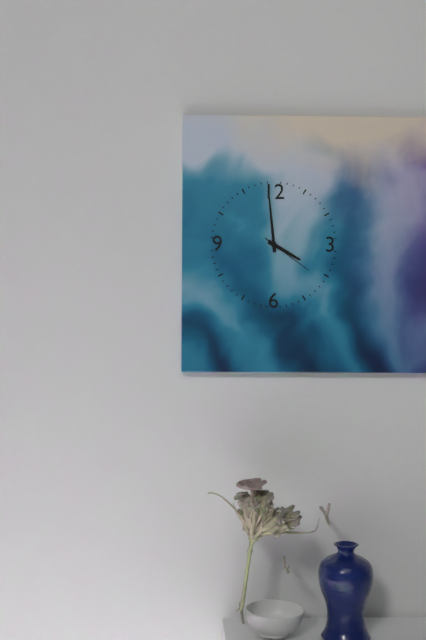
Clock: 3:59:21
